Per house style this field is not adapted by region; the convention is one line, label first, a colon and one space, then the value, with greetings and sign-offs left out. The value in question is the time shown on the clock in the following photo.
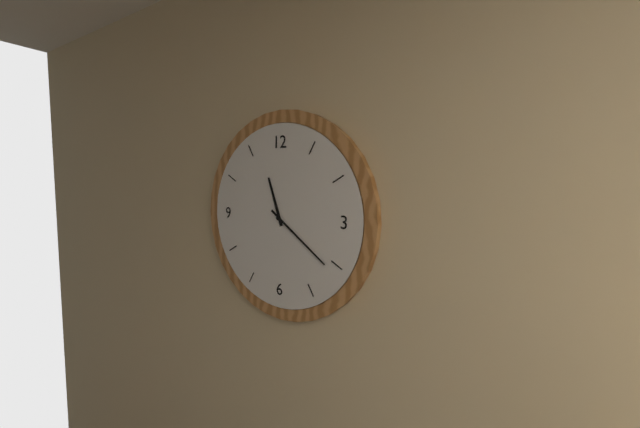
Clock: 11:21
